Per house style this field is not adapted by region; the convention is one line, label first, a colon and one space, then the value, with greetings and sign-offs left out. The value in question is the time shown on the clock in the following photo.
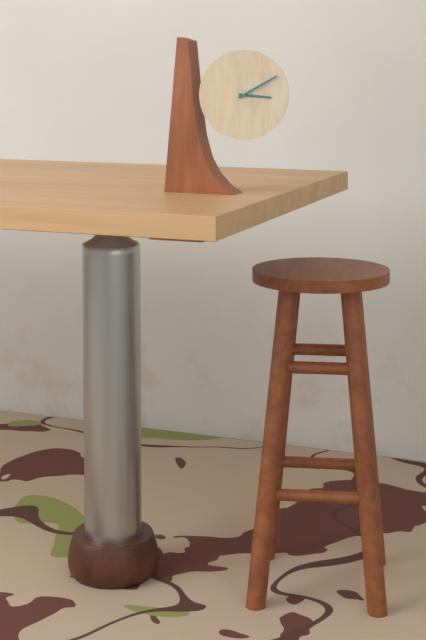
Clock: 3:10
